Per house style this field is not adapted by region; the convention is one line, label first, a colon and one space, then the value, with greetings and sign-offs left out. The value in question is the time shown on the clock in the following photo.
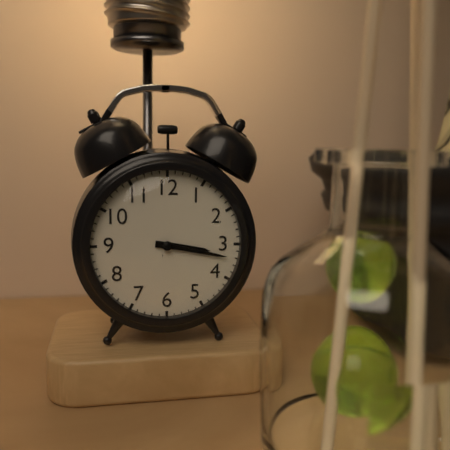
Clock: 3:17
